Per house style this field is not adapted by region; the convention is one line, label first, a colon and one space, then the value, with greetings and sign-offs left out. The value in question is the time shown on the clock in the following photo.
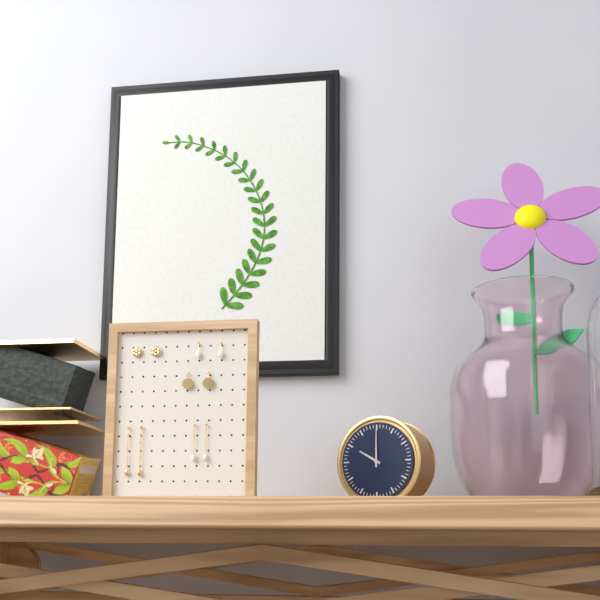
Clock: 10:00
